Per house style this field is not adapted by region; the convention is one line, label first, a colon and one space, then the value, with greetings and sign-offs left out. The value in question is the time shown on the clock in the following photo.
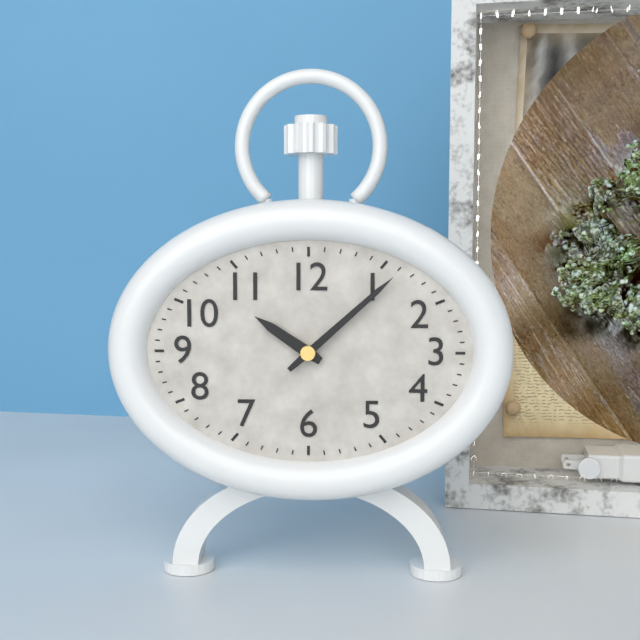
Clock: 10:08
